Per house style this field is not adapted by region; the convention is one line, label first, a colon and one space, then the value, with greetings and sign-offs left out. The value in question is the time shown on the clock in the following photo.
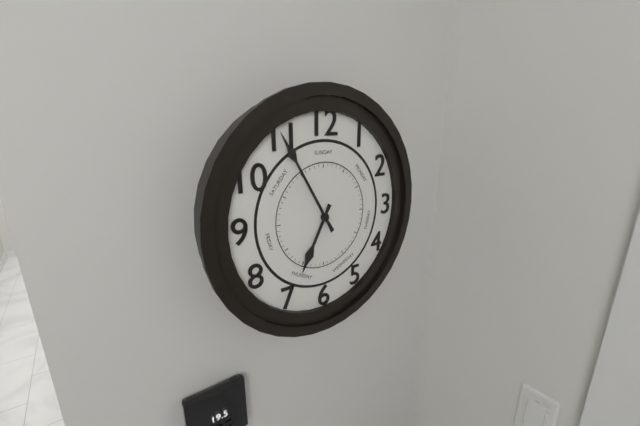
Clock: 6:55
